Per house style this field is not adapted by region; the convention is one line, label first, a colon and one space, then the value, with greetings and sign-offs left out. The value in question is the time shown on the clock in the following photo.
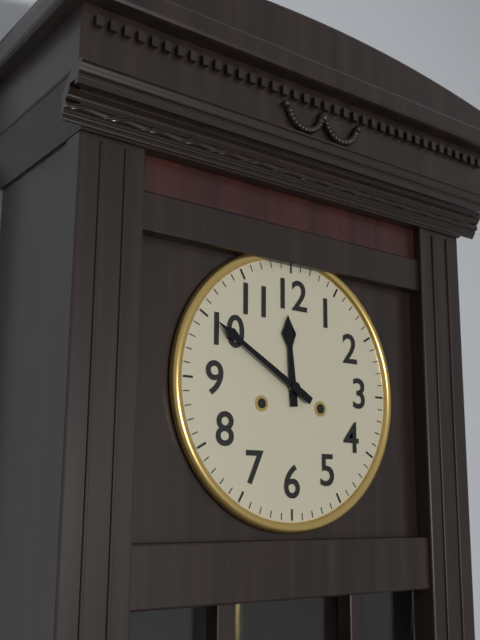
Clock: 11:50
